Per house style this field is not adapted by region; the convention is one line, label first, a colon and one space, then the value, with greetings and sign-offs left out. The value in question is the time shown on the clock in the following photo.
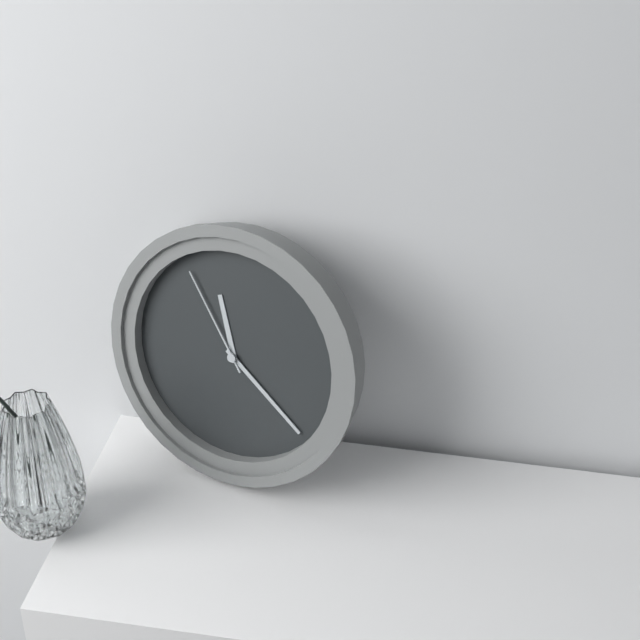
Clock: 11:21:54
